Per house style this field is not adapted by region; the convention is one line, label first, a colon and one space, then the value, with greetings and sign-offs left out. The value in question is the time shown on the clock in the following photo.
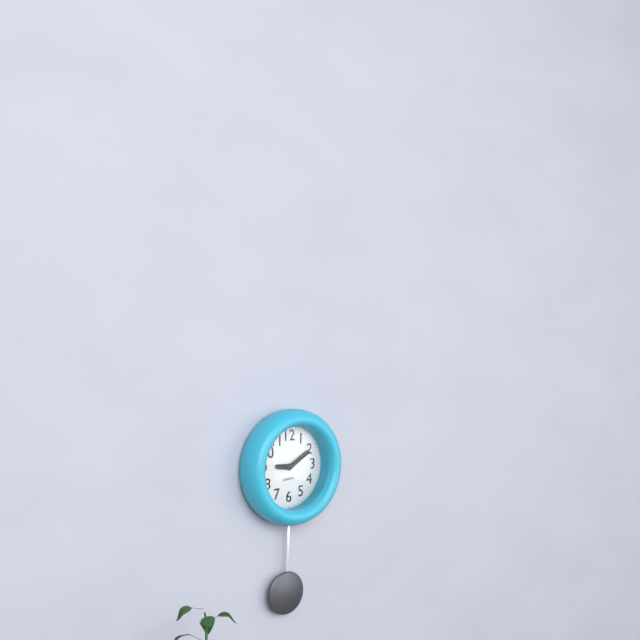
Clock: 9:10
